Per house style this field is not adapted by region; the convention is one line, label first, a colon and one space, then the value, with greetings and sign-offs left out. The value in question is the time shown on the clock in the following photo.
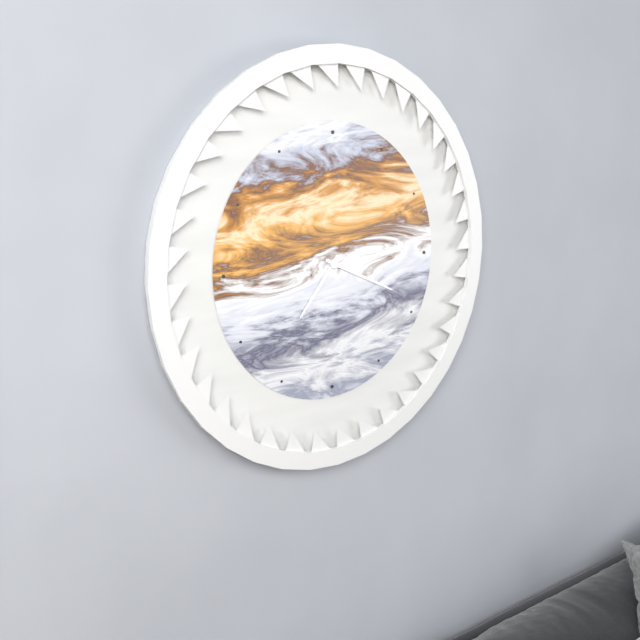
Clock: 7:19
